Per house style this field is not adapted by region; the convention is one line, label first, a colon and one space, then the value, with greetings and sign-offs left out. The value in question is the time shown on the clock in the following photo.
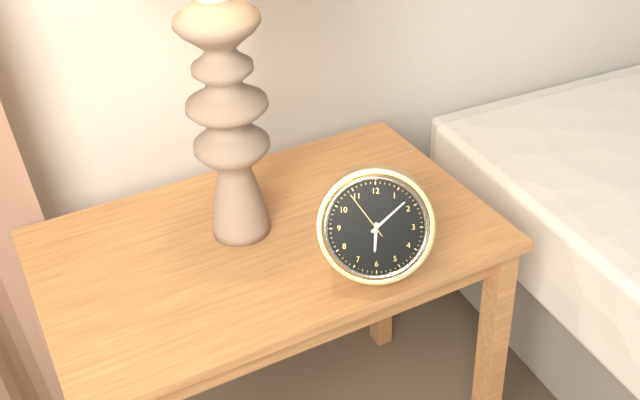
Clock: 6:08:54
